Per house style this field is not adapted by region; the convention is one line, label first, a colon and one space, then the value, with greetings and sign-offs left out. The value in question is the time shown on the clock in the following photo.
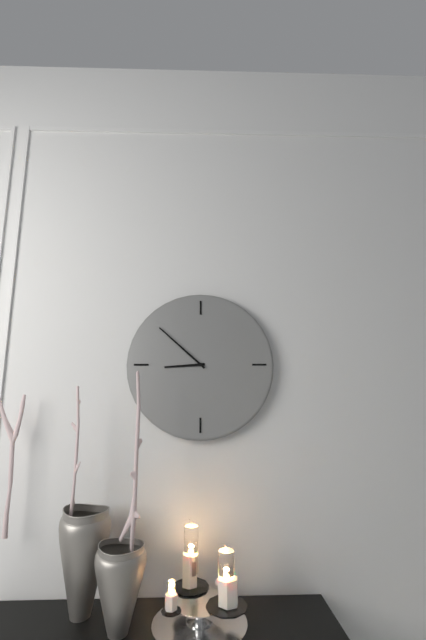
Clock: 8:52
